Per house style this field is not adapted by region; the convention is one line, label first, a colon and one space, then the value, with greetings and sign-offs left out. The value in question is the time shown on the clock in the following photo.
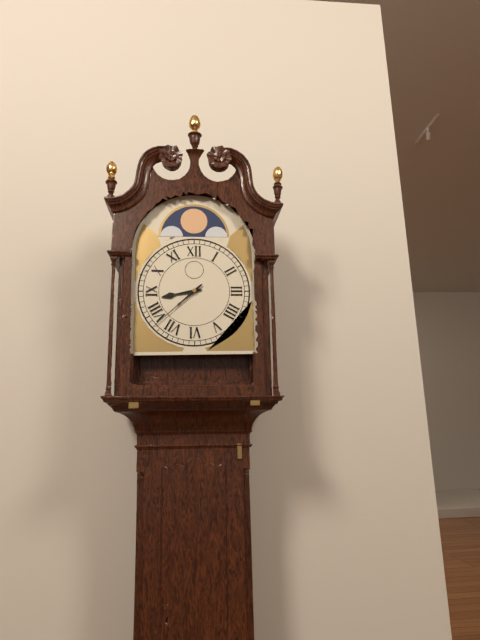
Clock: 8:38
